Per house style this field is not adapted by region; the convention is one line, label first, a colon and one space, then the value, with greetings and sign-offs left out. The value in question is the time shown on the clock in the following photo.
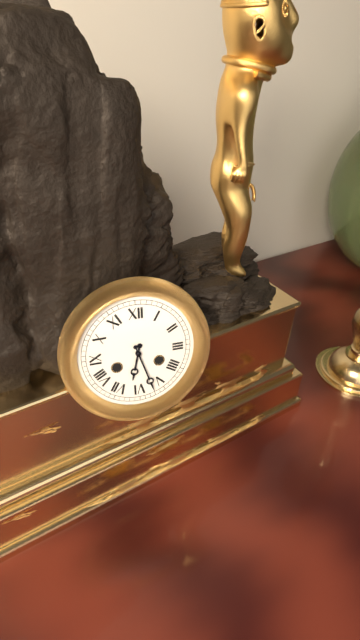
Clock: 6:27
